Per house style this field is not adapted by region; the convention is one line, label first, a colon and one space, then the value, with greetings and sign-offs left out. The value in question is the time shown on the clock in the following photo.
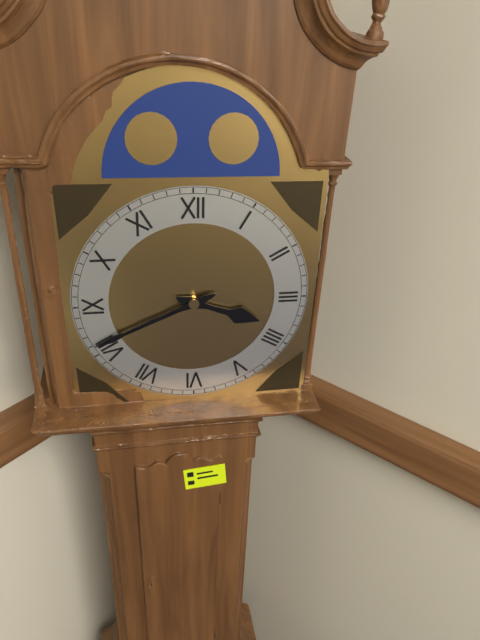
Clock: 3:41
